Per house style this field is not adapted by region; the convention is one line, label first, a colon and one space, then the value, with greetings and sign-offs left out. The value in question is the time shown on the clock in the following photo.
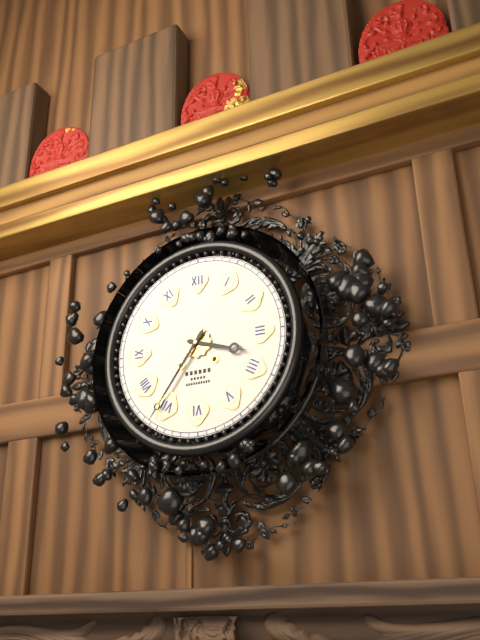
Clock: 3:36
